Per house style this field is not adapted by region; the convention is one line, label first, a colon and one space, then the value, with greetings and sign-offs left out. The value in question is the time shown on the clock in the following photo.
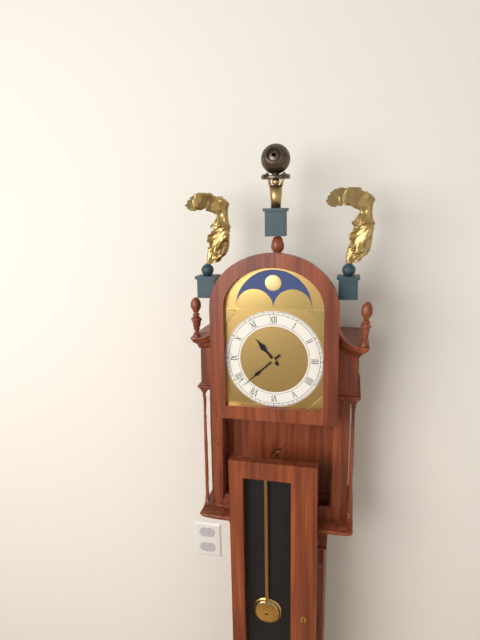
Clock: 10:38
